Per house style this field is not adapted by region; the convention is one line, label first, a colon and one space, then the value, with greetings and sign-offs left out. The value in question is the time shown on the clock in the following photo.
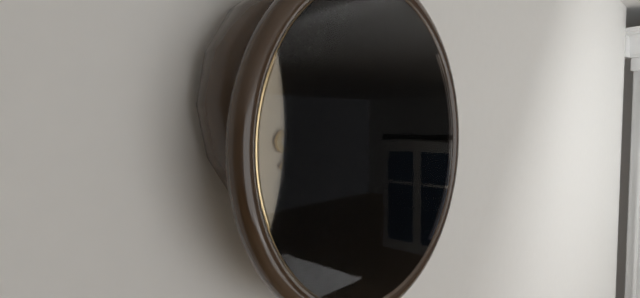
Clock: 5:01:30
